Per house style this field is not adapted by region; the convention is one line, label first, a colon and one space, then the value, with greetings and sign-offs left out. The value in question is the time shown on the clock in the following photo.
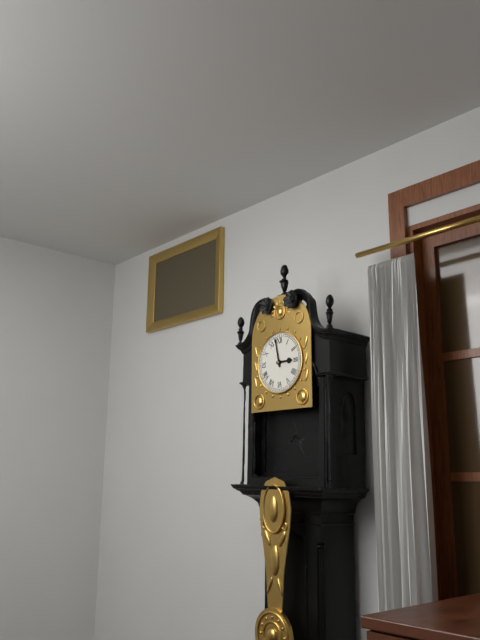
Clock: 2:58
